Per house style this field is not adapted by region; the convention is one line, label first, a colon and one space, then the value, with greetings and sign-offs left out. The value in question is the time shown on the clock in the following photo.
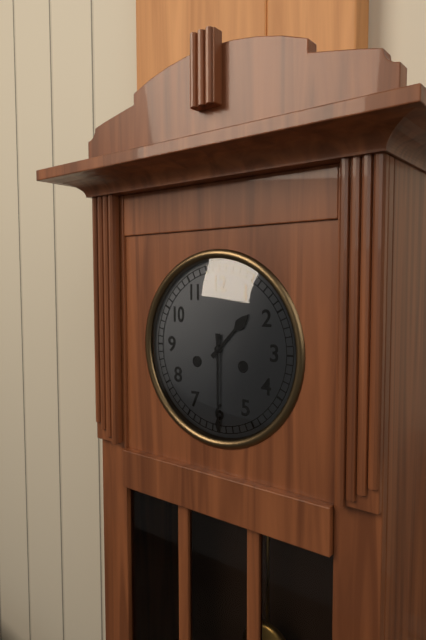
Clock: 1:30
